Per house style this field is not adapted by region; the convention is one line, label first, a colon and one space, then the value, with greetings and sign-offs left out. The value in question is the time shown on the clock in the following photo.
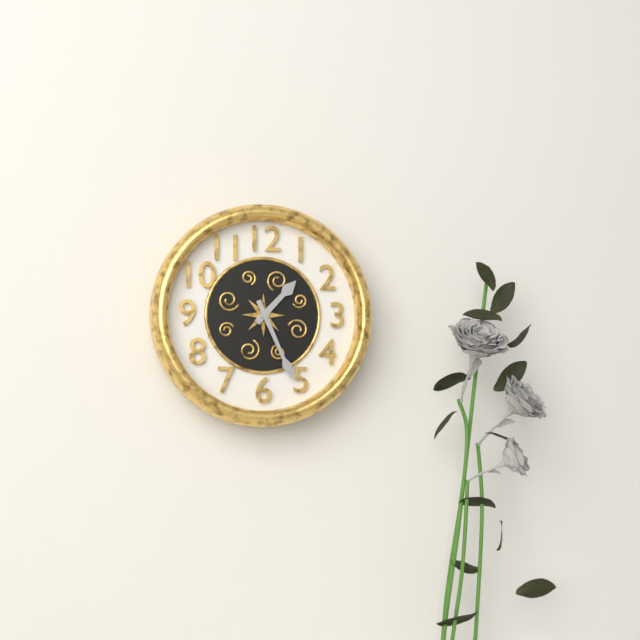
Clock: 1:26
